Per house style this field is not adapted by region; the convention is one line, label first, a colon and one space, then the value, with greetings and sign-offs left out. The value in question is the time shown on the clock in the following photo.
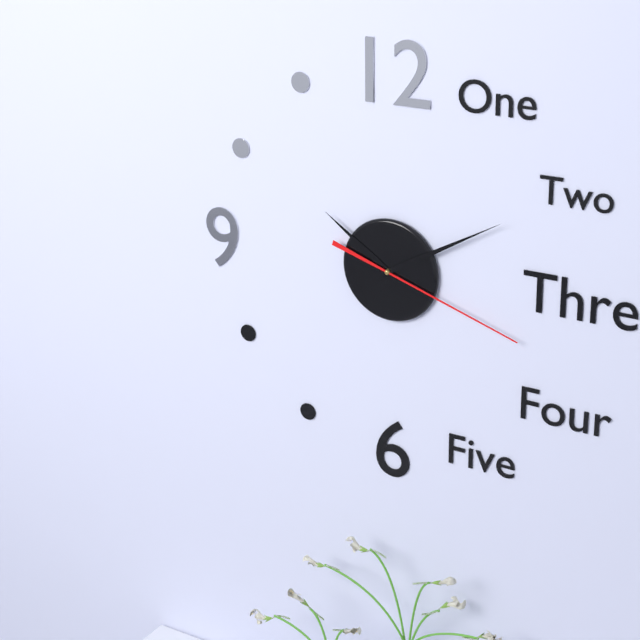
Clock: 10:10:18
